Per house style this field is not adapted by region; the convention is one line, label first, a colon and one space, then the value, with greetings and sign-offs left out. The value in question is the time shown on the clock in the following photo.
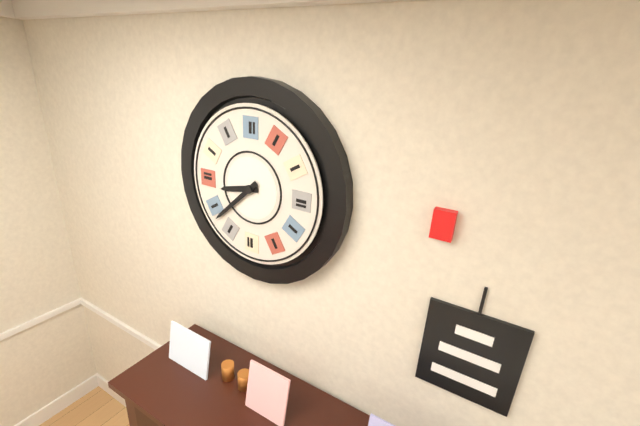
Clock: 8:38
